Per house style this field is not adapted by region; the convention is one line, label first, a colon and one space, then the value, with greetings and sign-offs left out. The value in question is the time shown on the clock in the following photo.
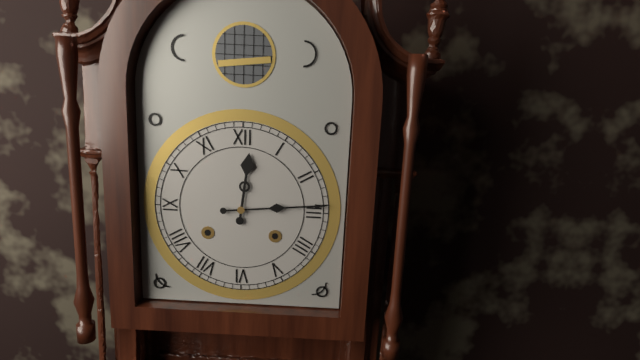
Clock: 12:14
